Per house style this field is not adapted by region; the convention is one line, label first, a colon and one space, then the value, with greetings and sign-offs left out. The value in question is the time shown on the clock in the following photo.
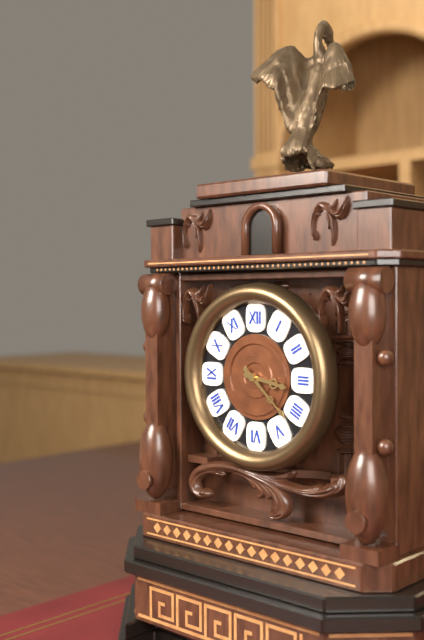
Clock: 3:22
